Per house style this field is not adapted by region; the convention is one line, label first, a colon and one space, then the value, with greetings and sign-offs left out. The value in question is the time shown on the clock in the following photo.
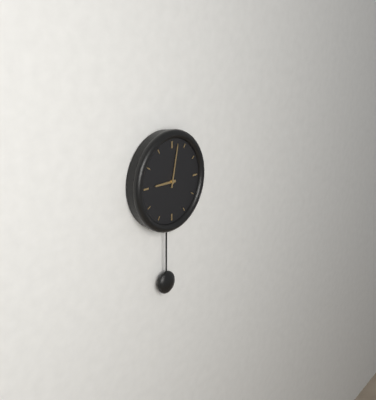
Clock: 9:02
